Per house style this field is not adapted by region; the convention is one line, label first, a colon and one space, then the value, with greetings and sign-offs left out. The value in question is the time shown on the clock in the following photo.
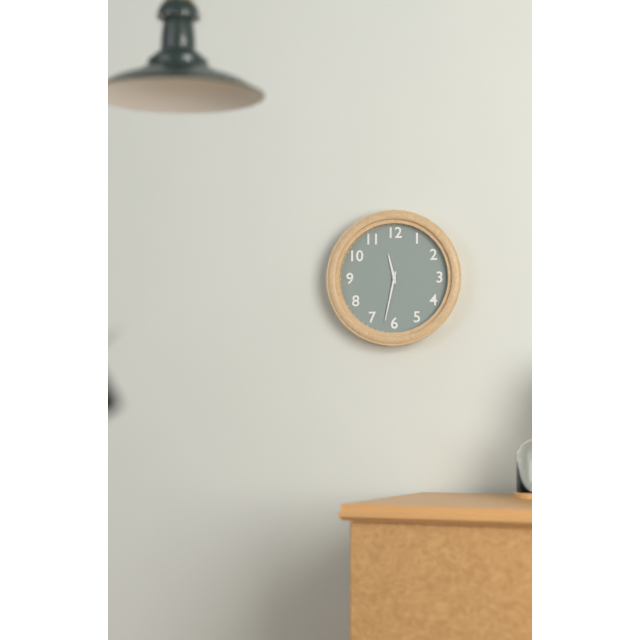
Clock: 11:32
